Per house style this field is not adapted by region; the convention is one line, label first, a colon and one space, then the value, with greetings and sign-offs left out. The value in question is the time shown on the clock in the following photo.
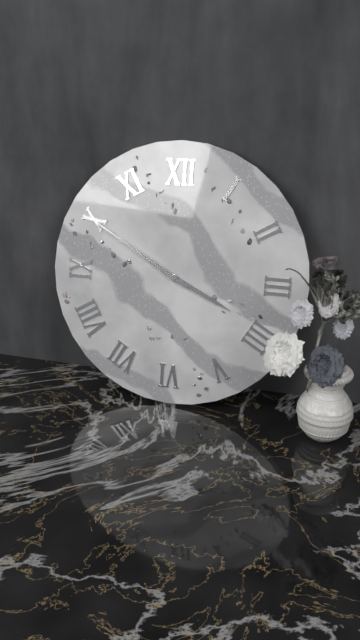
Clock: 3:50
